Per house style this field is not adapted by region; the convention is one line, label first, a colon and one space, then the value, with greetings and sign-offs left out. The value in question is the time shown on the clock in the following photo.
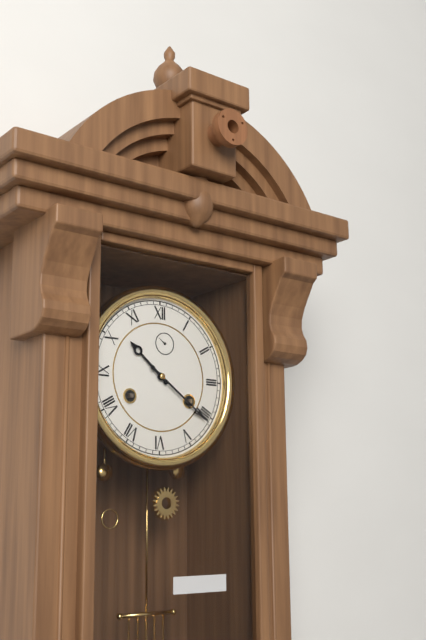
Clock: 10:21
